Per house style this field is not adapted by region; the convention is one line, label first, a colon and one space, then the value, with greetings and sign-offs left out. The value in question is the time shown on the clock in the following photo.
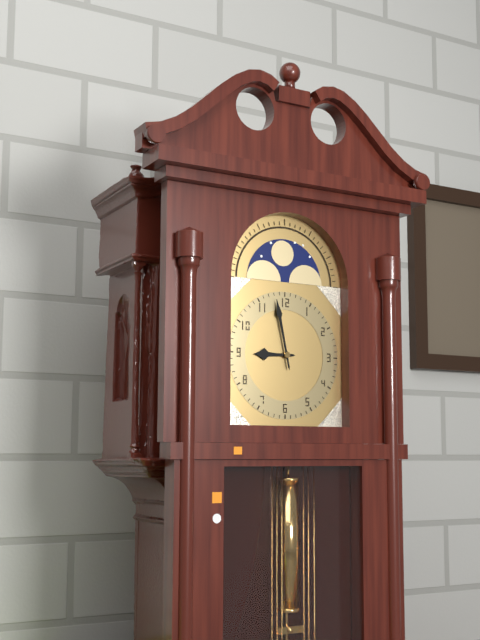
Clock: 8:58
